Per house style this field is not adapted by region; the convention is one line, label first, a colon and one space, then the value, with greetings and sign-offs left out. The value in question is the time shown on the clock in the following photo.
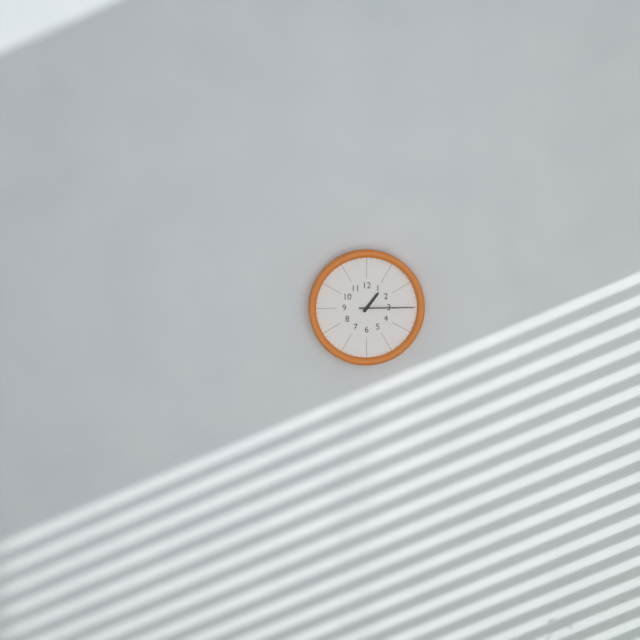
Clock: 1:15
